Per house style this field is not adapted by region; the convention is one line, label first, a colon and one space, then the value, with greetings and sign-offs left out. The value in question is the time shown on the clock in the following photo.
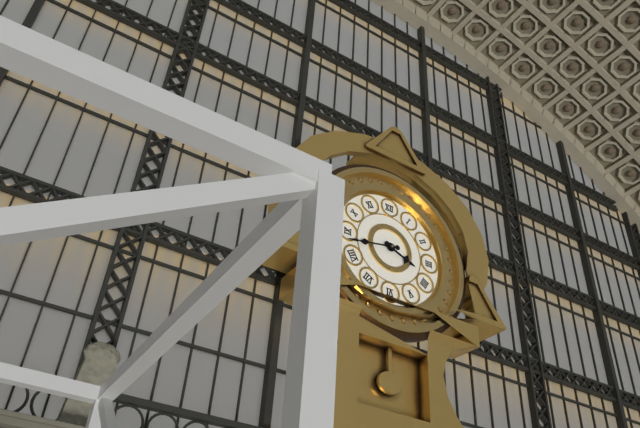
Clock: 3:43
